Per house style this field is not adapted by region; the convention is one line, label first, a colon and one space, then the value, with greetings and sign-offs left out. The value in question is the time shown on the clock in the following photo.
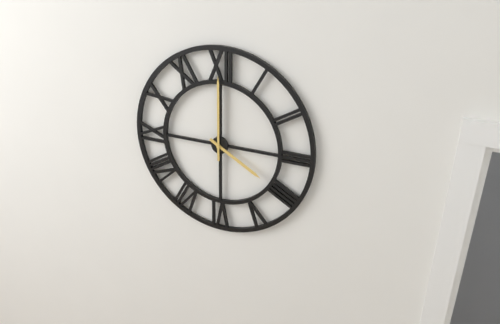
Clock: 4:00
